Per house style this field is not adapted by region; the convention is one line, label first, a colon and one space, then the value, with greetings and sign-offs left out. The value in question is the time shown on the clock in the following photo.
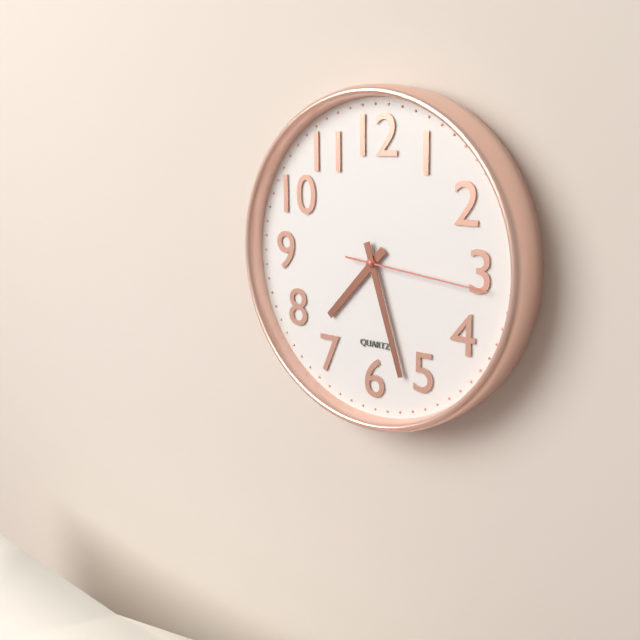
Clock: 7:27:16
